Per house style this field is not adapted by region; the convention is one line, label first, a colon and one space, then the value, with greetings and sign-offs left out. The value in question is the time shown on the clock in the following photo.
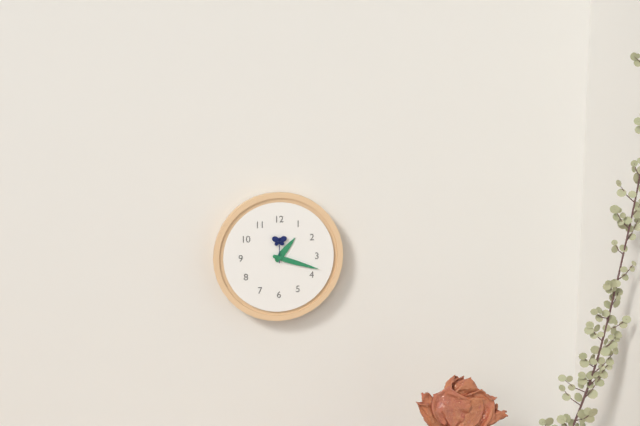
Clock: 1:18
